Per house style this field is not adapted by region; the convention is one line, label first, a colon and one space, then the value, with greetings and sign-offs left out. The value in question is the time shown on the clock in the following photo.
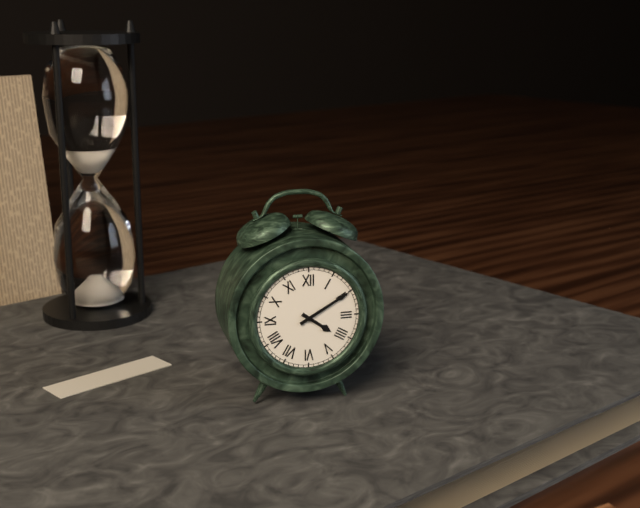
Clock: 4:10
